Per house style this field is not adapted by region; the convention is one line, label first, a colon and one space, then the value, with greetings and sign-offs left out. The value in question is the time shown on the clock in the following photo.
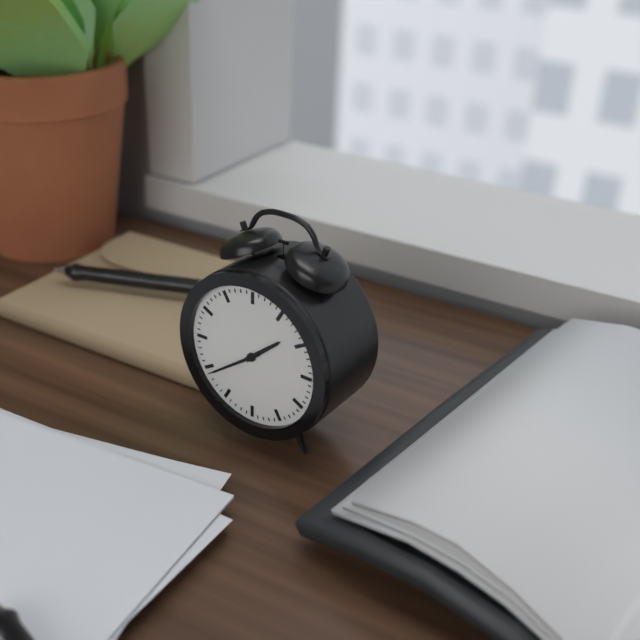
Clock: 1:39
